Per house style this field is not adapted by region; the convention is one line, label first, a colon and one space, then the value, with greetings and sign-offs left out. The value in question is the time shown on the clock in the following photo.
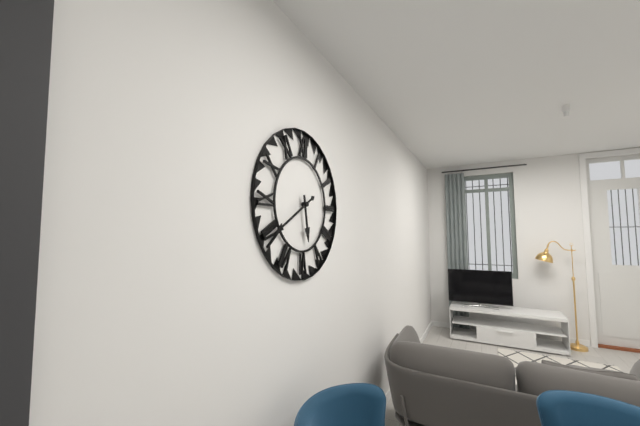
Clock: 5:40
